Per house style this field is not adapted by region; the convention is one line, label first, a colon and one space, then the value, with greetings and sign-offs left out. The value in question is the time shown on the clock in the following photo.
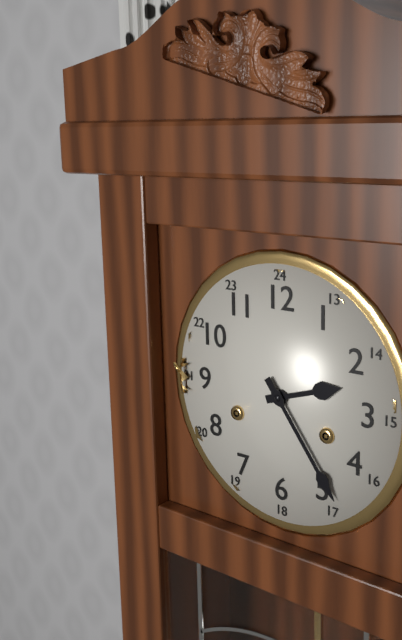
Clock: 2:24
